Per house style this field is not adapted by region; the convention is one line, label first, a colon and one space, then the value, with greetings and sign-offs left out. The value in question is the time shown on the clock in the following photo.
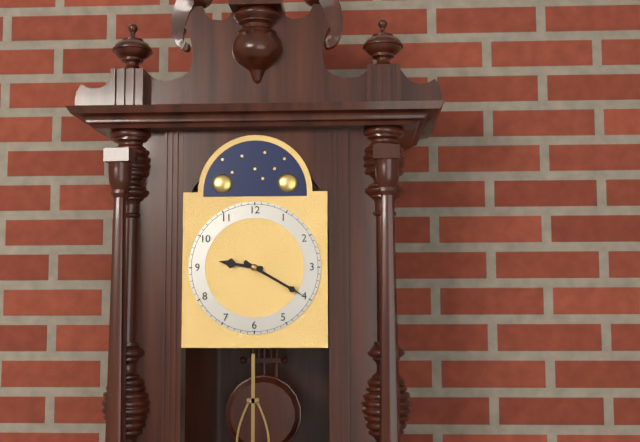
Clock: 9:20
